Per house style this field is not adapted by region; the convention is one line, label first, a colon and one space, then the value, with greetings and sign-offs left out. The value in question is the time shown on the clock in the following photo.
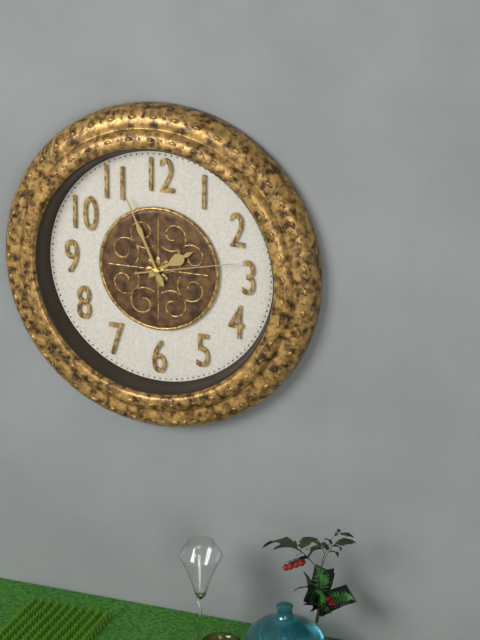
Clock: 1:56:13
